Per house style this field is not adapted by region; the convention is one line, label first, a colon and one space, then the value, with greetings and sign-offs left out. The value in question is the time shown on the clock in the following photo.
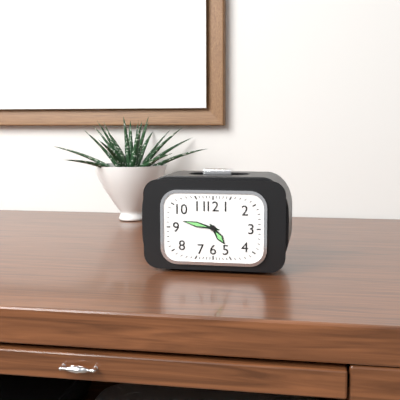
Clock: 4:47
